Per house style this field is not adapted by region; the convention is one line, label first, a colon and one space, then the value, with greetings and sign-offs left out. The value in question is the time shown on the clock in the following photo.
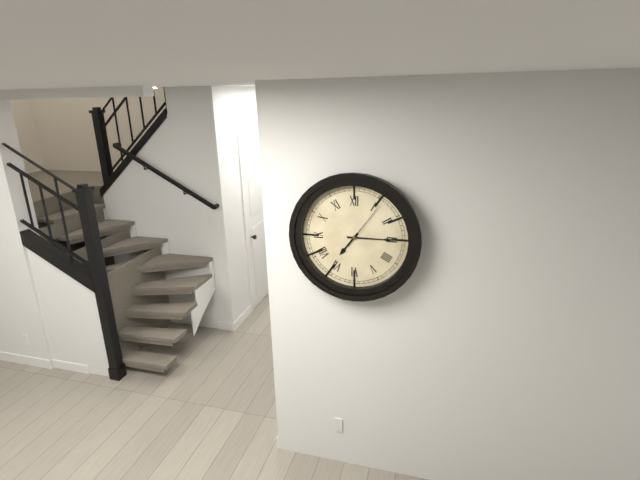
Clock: 7:15:06
